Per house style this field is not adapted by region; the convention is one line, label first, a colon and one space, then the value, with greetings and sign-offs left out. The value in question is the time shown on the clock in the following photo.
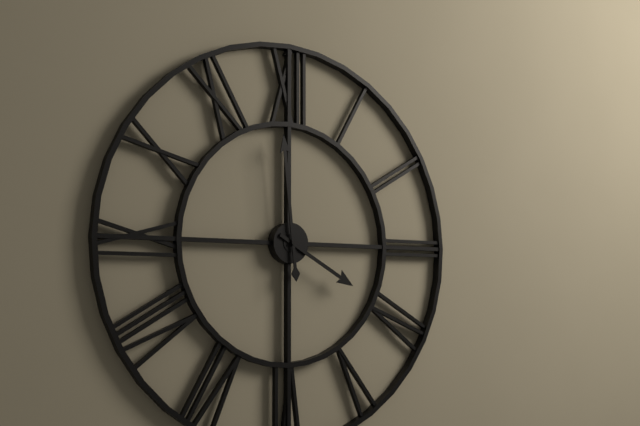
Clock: 3:59
